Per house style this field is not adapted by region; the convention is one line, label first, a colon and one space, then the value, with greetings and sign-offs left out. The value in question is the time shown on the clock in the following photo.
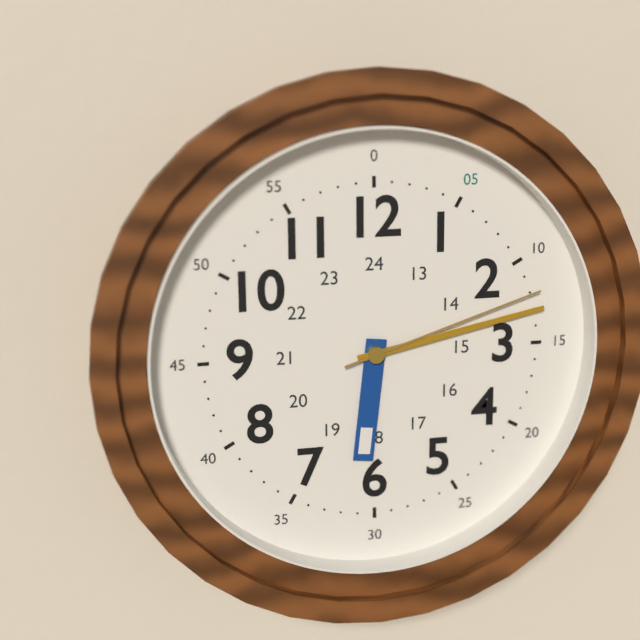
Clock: 6:13:12
